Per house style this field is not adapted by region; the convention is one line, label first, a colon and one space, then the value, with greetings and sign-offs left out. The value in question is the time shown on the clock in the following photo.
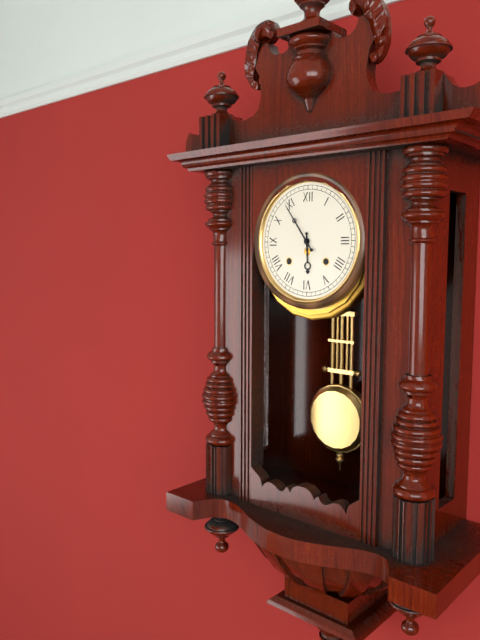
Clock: 5:54
